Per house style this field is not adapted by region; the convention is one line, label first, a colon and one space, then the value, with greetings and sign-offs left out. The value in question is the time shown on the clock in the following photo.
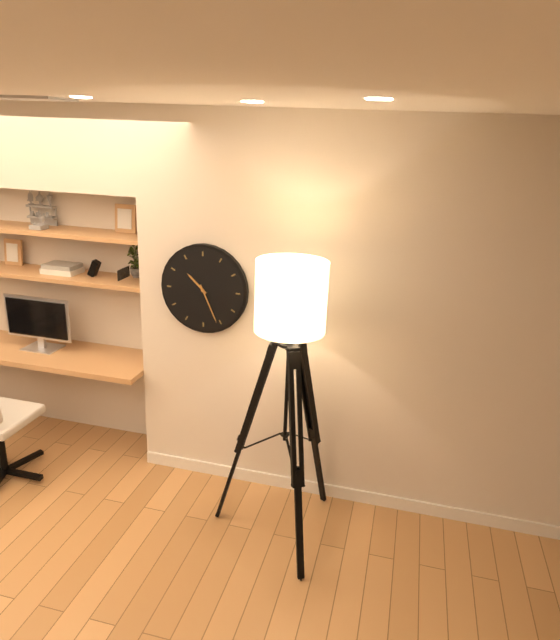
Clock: 10:26
